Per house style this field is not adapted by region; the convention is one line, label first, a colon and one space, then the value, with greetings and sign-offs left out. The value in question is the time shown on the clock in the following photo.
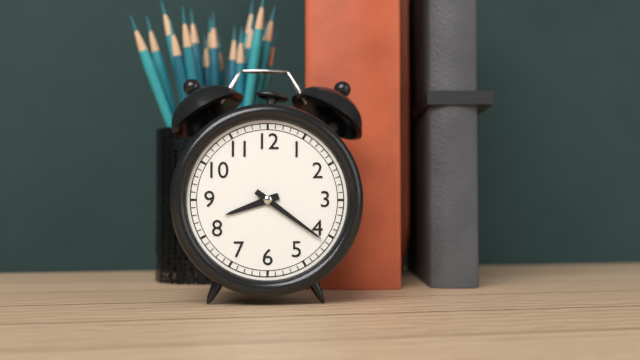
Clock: 8:21
